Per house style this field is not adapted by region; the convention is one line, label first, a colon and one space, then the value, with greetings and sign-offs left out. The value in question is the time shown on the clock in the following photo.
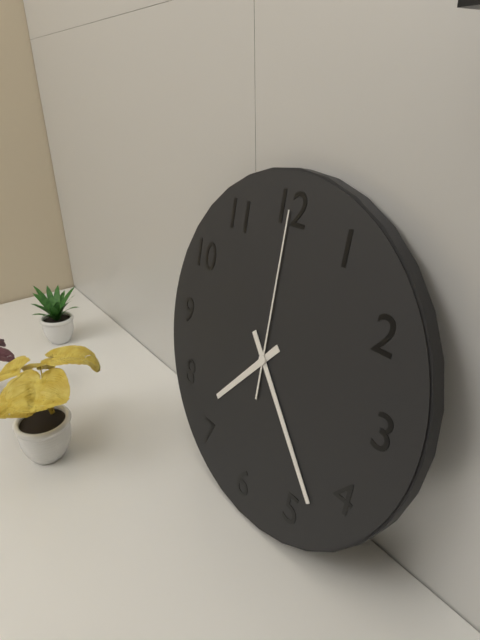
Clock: 7:23:00
